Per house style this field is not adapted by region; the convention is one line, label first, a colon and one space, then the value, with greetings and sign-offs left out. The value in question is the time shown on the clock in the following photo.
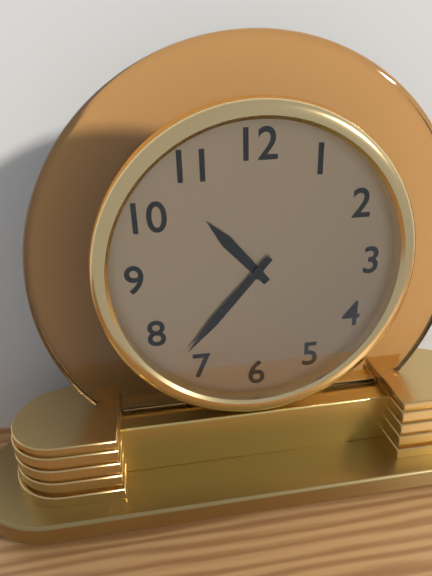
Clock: 10:37
